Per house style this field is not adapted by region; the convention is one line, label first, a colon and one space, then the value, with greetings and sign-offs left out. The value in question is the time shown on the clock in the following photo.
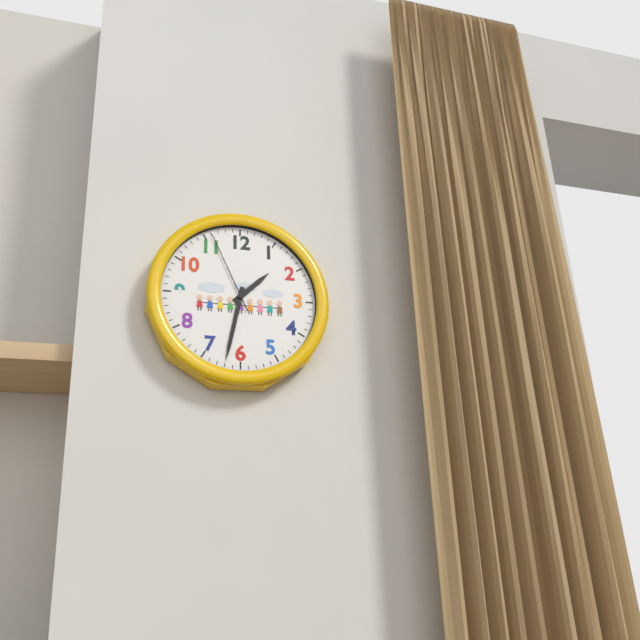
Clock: 1:32:56
